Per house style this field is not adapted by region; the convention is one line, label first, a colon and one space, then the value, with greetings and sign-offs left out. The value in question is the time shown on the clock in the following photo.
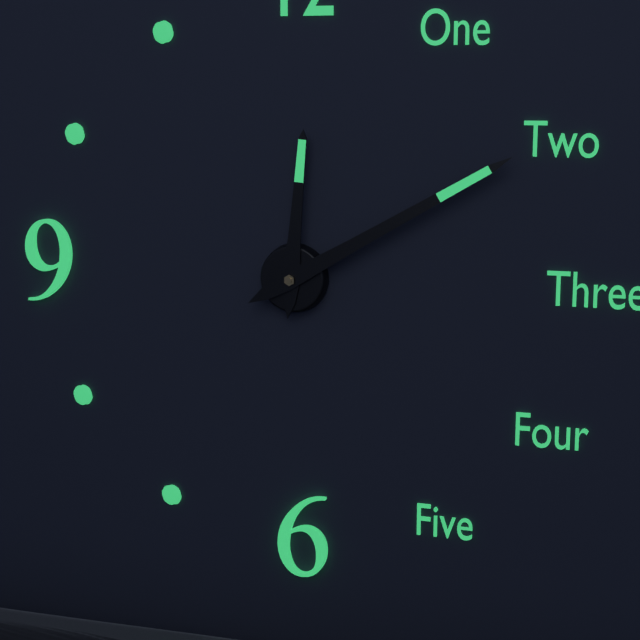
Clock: 12:10
